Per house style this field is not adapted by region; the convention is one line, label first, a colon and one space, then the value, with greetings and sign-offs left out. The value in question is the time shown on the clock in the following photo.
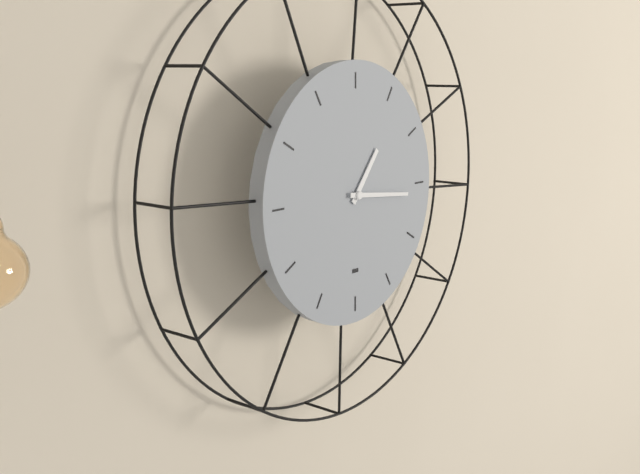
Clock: 1:16
